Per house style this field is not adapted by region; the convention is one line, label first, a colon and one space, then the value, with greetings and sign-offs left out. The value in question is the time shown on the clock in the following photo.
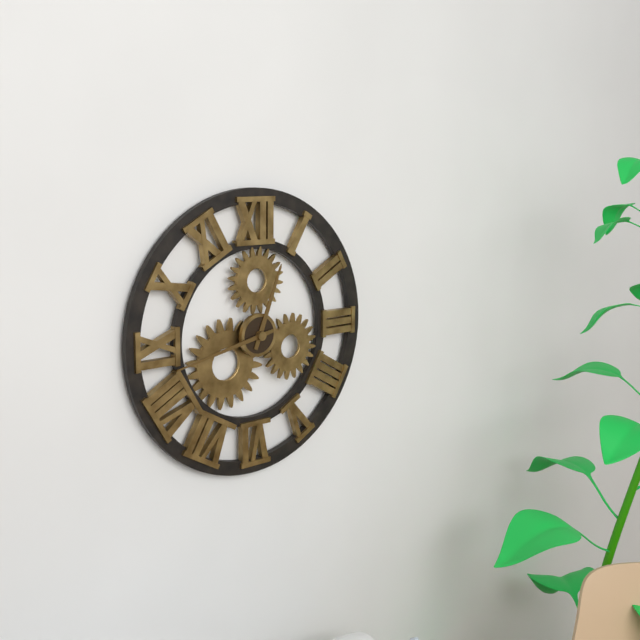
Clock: 12:43
